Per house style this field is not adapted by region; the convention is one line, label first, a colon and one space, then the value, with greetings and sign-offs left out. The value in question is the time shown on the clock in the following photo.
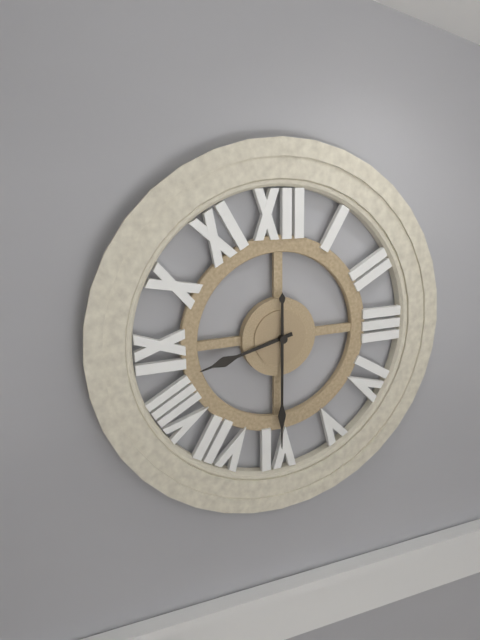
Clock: 8:30
